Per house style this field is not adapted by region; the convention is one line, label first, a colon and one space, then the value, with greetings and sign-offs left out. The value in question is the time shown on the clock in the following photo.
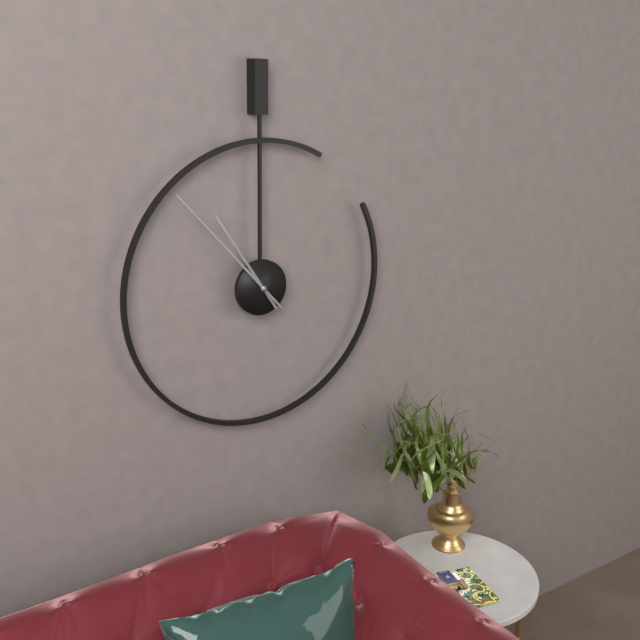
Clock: 10:53
